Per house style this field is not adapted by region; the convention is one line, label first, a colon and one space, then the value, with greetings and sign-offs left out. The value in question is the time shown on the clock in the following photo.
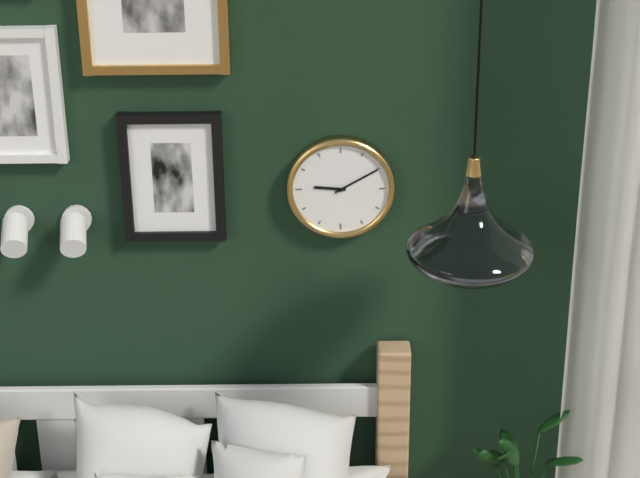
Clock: 9:10
